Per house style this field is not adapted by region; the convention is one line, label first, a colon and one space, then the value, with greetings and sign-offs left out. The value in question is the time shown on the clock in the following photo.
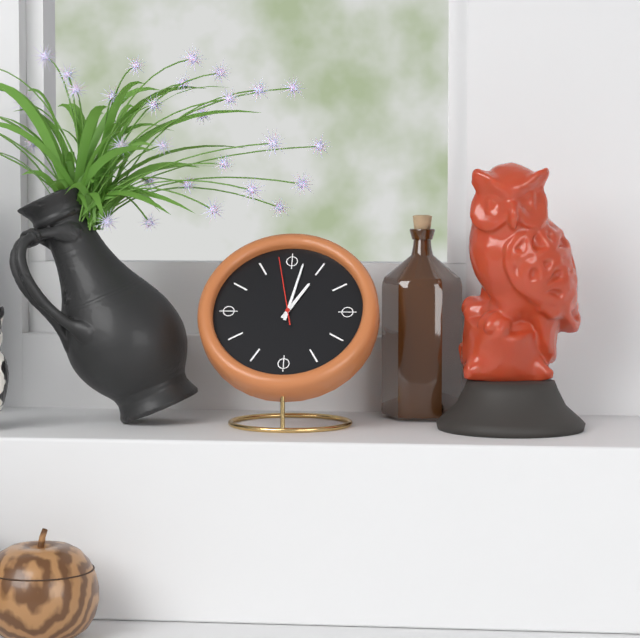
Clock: 1:02:58
